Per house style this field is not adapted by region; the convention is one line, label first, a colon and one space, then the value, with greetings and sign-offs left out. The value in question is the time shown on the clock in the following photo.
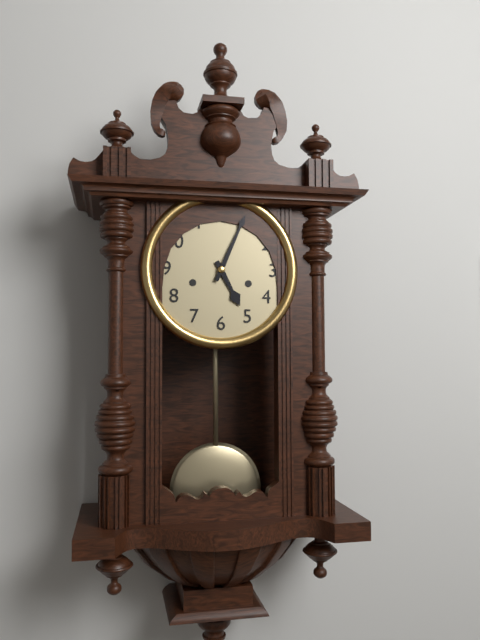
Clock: 5:04
